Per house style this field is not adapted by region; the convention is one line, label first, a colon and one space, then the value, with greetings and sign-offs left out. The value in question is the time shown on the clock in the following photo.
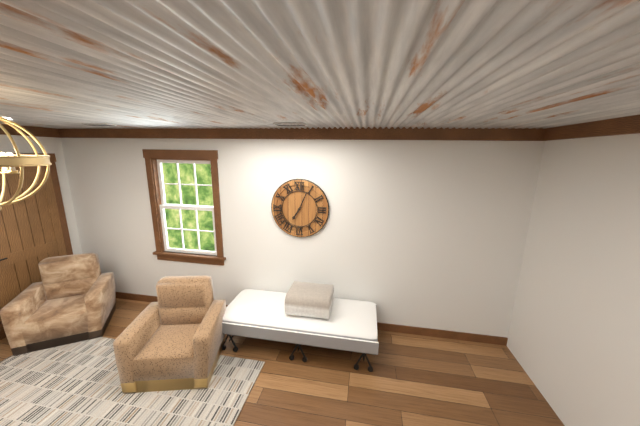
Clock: 7:04
